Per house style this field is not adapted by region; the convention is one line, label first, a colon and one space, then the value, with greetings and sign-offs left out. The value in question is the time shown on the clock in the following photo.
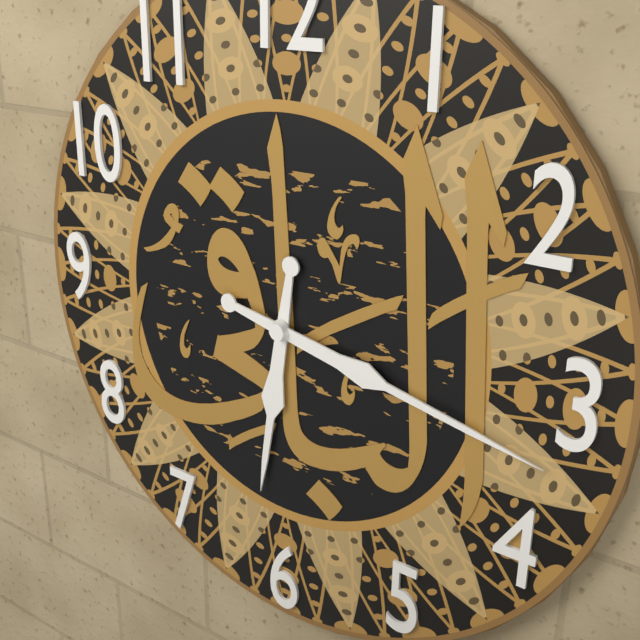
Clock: 6:17
